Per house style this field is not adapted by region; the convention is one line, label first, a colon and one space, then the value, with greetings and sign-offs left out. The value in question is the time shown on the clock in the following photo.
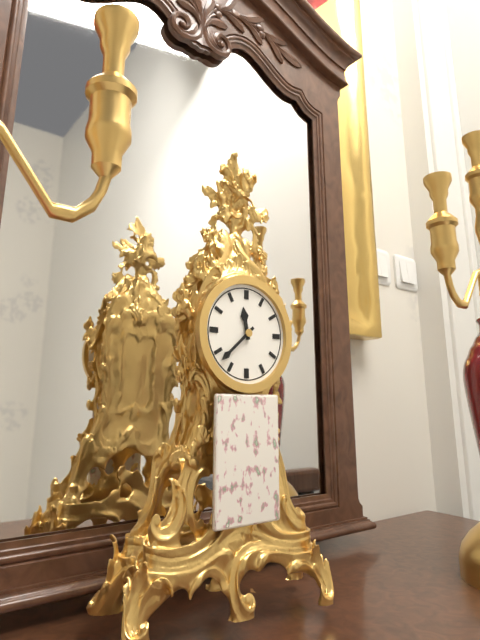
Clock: 11:38
